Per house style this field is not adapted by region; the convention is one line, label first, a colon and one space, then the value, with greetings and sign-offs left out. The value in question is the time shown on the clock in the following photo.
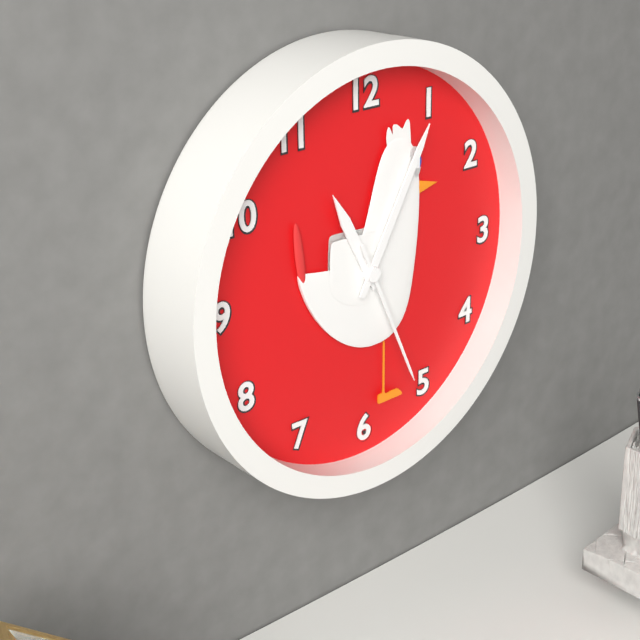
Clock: 11:05:26
